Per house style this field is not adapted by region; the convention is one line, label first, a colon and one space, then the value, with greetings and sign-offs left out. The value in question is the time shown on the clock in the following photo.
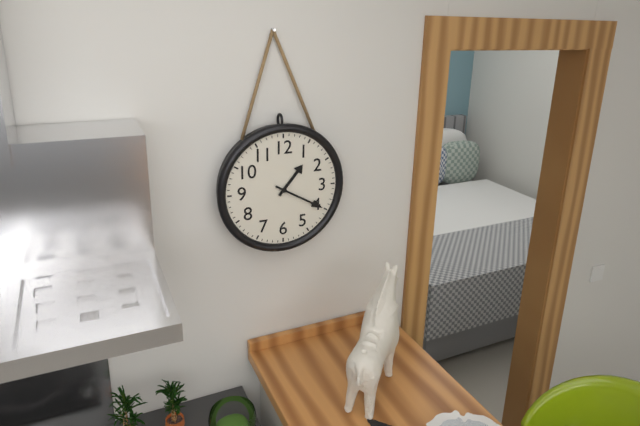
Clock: 1:20
